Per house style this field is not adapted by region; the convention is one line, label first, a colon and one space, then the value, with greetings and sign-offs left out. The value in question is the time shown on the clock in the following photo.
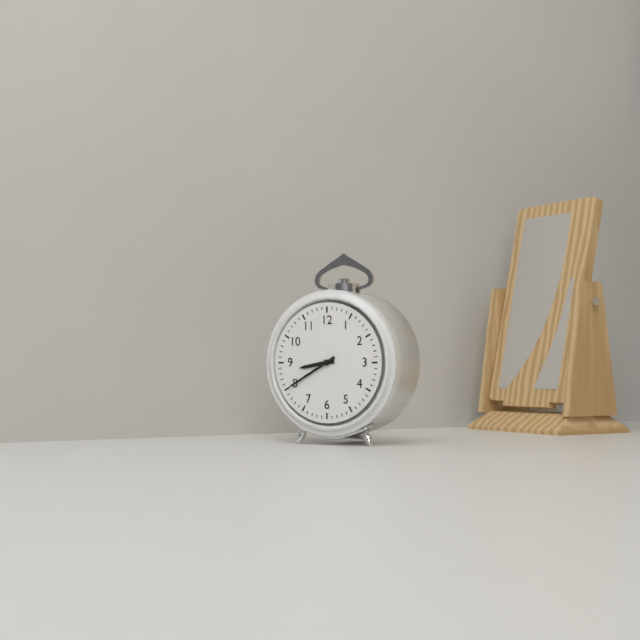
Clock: 8:40
